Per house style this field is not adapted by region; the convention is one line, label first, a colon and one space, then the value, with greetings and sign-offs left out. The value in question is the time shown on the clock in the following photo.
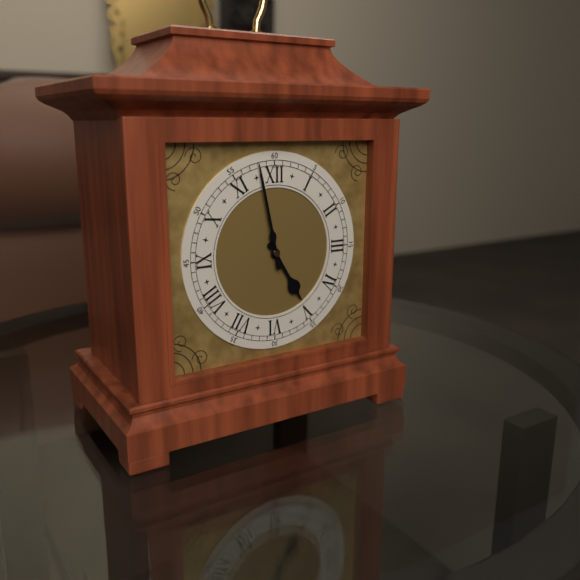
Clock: 4:58
